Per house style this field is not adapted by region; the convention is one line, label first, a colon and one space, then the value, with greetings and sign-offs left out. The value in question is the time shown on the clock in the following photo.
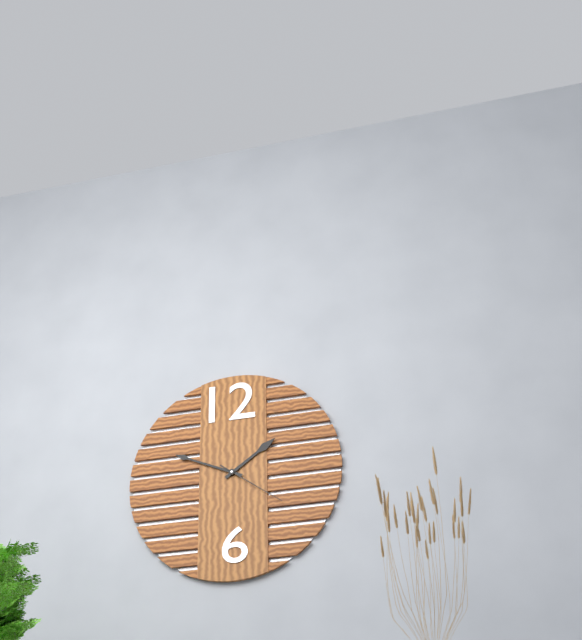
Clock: 1:49:21
